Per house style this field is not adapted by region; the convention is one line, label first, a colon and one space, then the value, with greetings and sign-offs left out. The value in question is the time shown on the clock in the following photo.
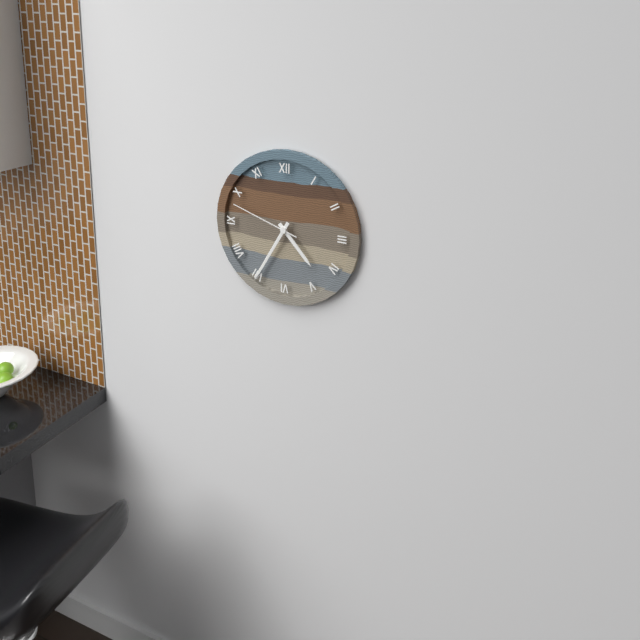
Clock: 4:35:48
